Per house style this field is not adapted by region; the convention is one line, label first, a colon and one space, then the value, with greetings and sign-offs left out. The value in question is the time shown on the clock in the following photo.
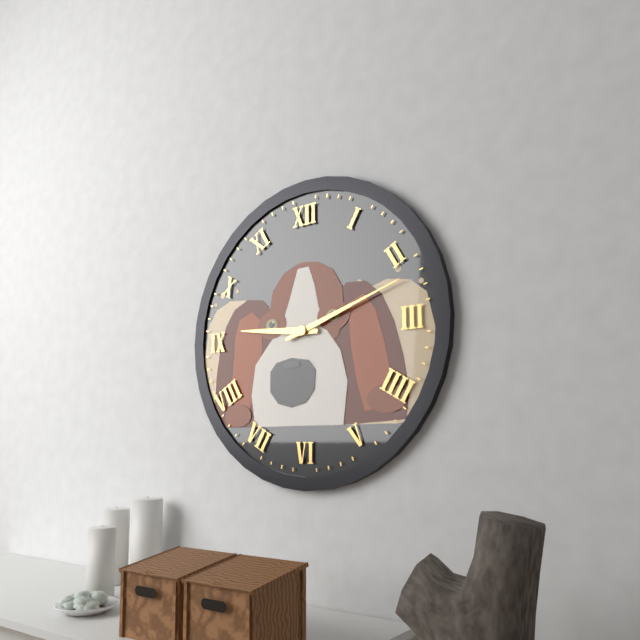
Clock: 9:12
